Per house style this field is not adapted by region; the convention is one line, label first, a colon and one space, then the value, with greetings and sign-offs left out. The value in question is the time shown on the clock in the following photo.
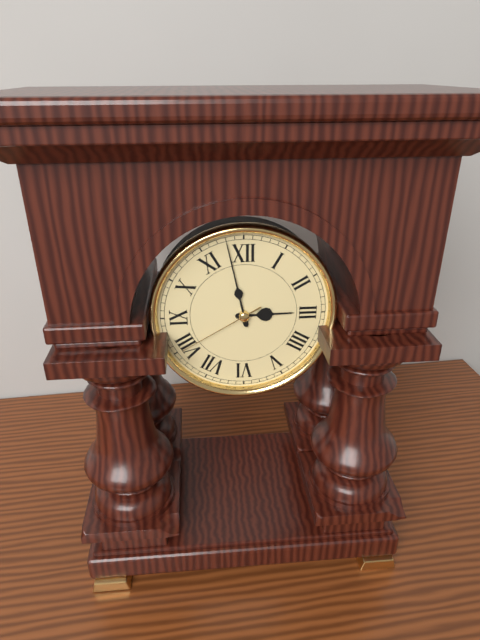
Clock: 2:58:40
